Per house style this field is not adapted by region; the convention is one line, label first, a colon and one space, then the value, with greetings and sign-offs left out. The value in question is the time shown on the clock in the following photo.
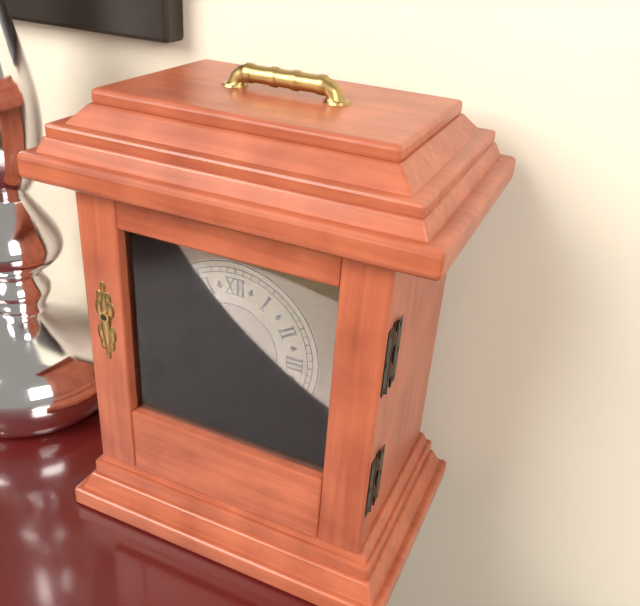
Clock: 10:52
